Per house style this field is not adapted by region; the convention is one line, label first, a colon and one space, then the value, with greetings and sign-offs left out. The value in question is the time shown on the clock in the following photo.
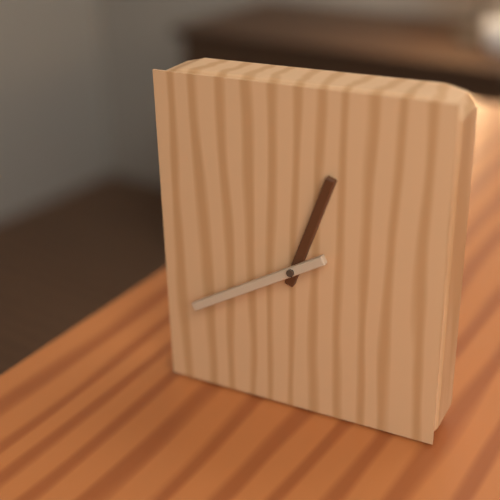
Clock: 12:40
